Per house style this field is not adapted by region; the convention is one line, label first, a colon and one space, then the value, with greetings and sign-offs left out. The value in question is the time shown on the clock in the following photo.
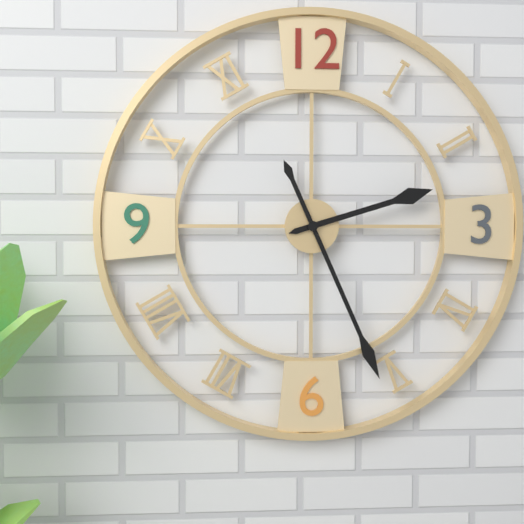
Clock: 2:26
